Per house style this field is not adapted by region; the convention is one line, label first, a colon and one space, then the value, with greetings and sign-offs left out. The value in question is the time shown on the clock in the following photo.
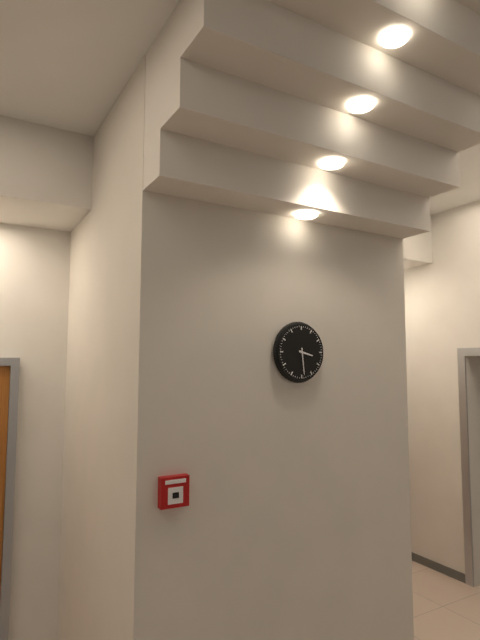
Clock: 3:29
